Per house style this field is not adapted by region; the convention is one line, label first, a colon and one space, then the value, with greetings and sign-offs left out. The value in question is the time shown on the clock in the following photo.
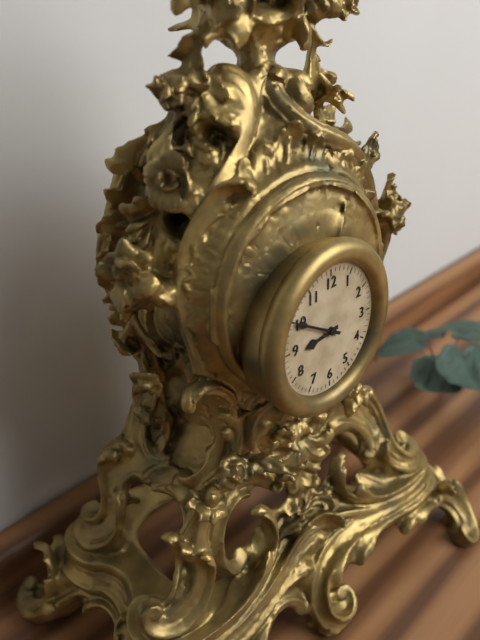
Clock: 8:50
